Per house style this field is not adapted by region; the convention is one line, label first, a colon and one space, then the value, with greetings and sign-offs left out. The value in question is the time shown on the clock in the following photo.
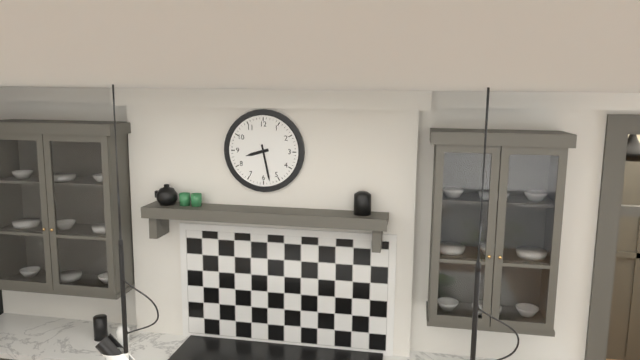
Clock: 8:28
